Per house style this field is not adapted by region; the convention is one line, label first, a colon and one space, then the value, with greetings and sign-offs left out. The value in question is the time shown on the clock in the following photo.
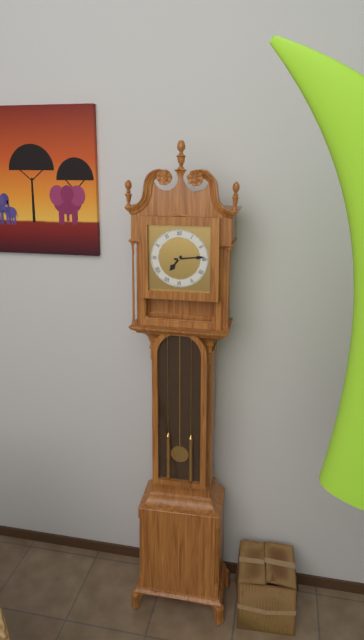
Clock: 7:14
